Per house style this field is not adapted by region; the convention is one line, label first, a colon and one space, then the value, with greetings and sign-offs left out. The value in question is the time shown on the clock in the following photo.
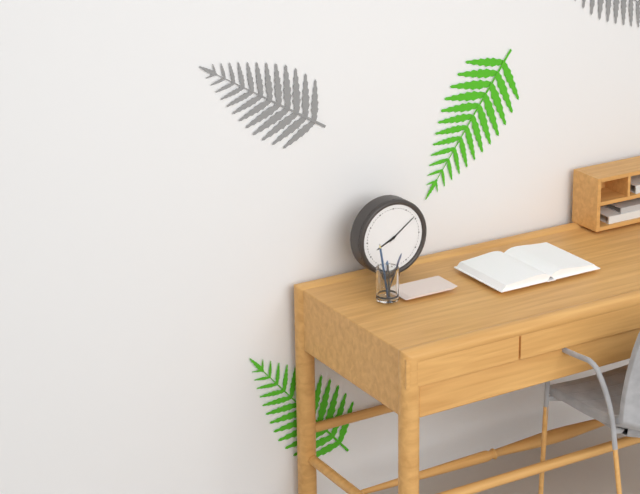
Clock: 8:09
